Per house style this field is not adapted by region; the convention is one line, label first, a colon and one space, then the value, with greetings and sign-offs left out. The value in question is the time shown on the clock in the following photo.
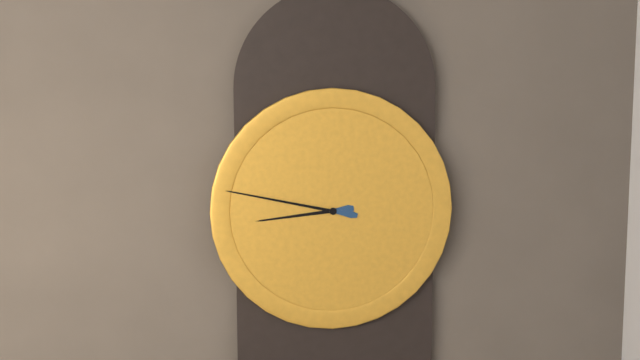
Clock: 8:47
